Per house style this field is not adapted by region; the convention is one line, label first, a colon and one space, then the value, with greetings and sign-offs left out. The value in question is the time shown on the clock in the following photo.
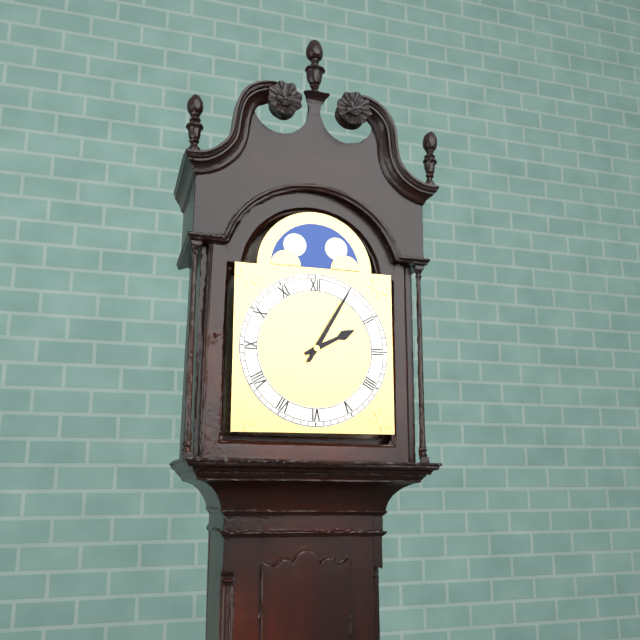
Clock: 2:05
